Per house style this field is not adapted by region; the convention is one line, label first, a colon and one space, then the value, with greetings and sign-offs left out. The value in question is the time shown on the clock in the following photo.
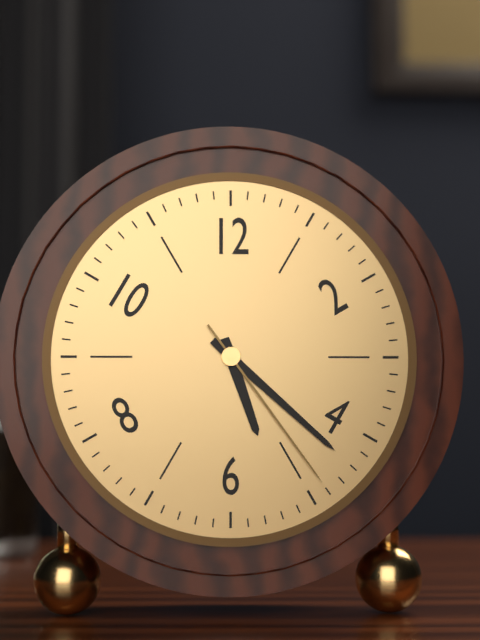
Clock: 5:22:24
